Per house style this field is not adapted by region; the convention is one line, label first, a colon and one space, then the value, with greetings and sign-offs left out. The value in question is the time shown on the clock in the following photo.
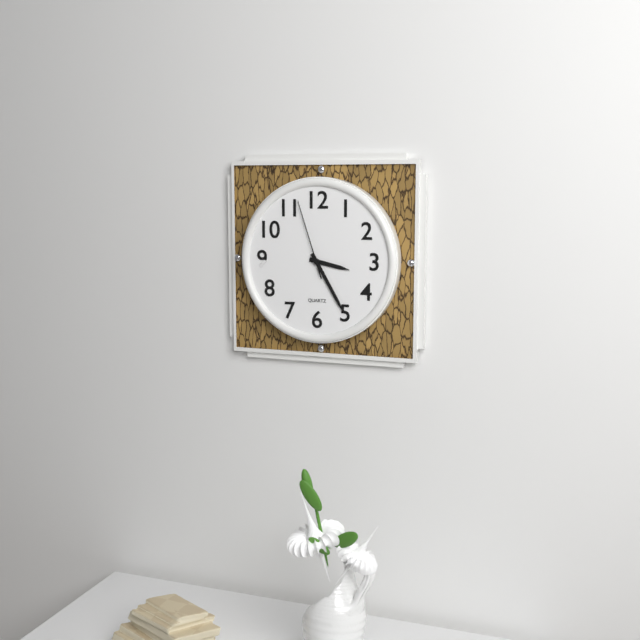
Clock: 3:25:57
